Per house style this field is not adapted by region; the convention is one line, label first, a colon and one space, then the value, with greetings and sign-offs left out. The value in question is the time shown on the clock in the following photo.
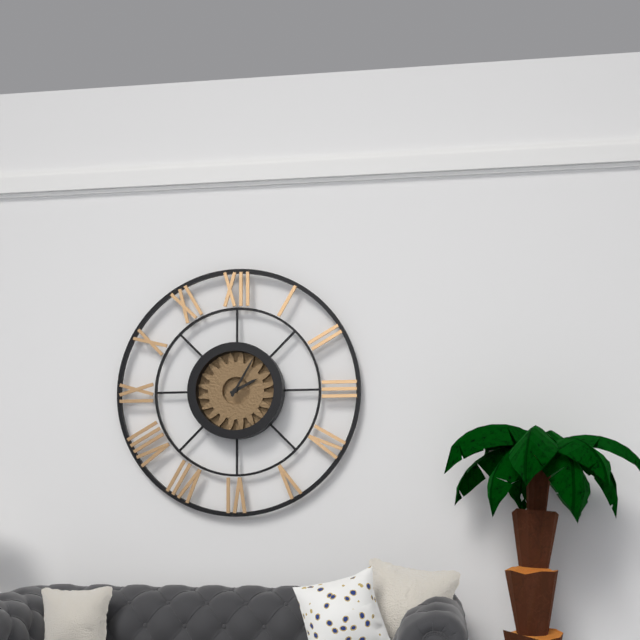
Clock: 2:05
